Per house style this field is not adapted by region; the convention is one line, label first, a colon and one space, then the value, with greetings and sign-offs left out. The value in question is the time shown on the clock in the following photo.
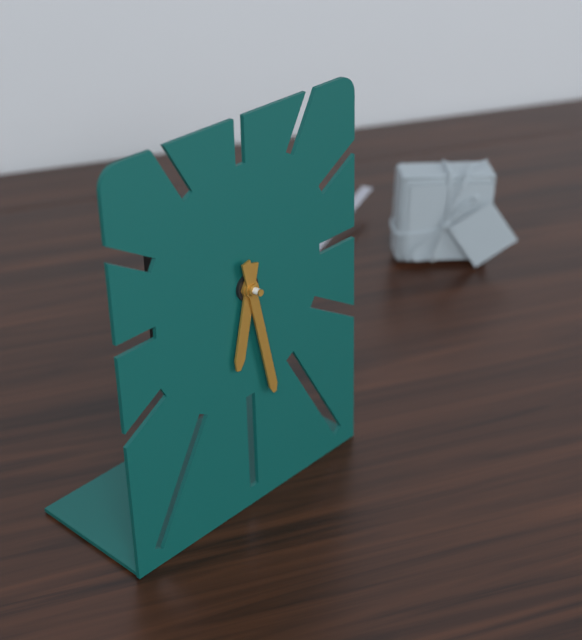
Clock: 6:28
